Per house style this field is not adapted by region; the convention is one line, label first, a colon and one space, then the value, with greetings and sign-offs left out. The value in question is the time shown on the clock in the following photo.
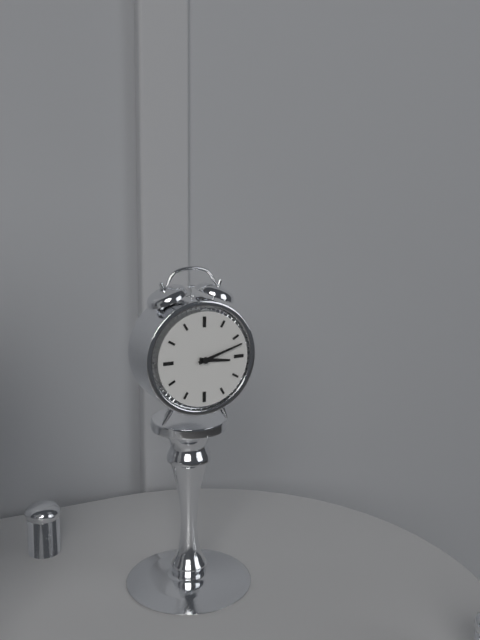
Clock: 3:12
